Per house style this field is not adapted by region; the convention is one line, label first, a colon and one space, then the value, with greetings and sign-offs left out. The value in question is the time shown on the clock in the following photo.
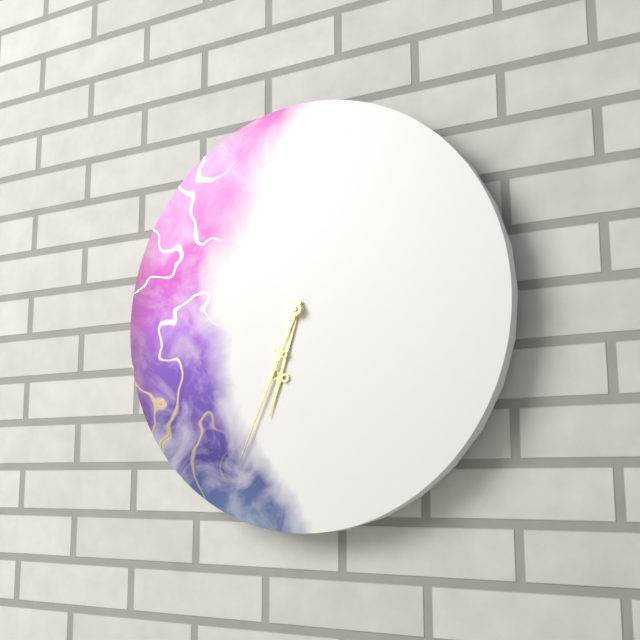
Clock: 6:34
